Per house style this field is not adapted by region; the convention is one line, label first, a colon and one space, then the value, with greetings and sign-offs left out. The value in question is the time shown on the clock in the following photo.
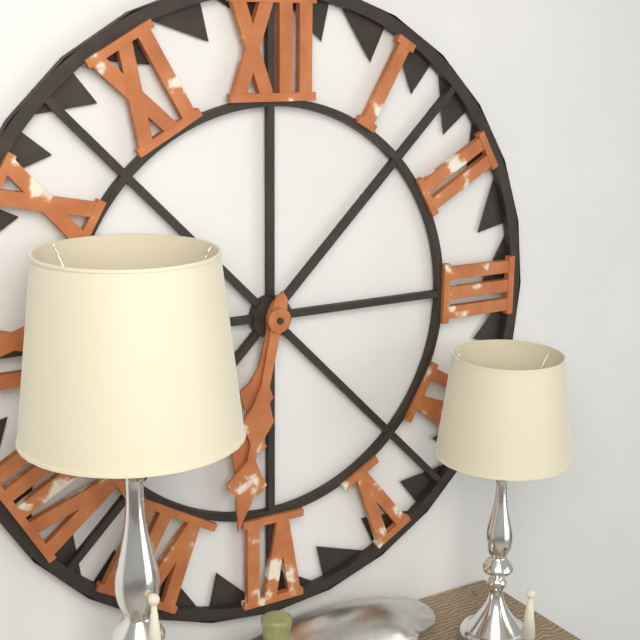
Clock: 6:32
